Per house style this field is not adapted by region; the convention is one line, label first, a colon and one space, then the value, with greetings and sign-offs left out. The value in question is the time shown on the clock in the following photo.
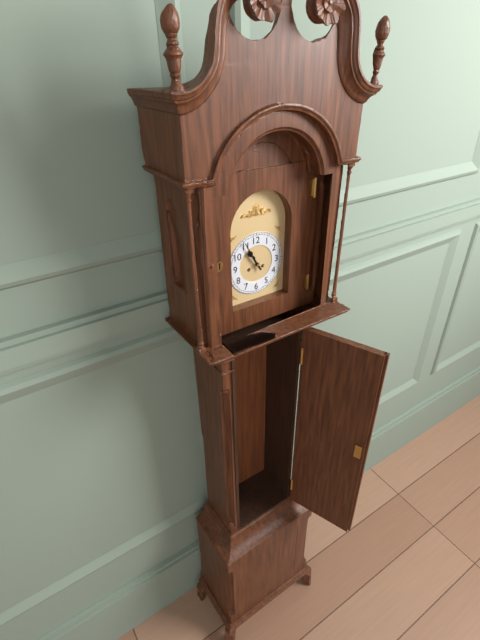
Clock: 10:55
